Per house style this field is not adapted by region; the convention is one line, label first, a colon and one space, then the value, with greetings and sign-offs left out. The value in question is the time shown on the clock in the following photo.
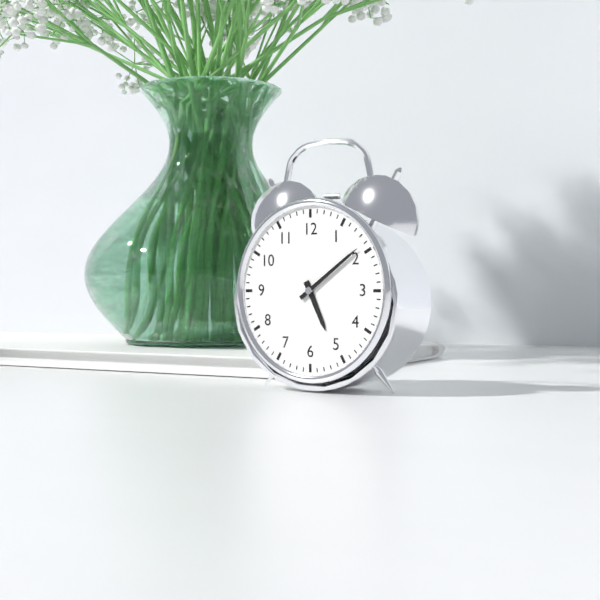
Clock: 5:09
